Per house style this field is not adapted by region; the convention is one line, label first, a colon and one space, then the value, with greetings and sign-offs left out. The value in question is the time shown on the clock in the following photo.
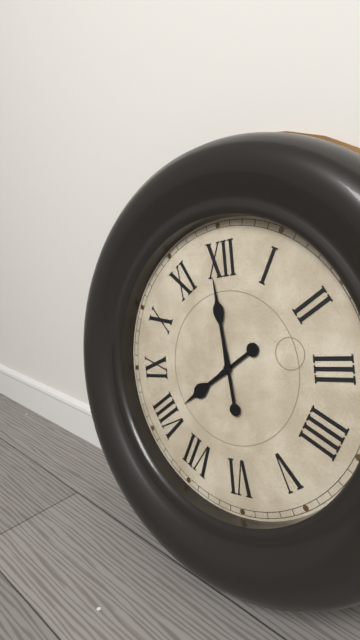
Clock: 7:59
